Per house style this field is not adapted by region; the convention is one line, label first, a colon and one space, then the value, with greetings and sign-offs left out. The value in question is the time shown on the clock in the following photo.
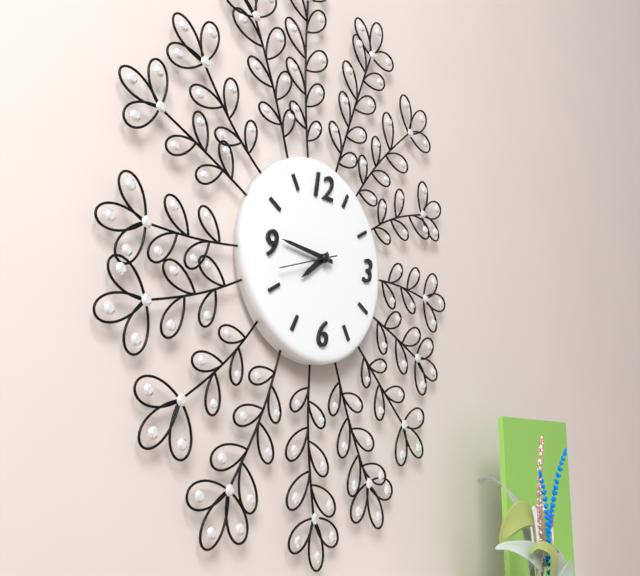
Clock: 7:46:42
